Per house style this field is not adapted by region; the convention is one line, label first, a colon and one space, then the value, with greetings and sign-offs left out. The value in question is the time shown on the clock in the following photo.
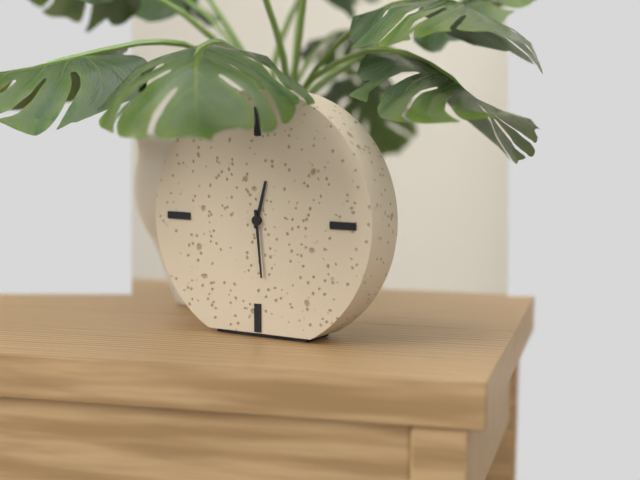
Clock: 12:29
